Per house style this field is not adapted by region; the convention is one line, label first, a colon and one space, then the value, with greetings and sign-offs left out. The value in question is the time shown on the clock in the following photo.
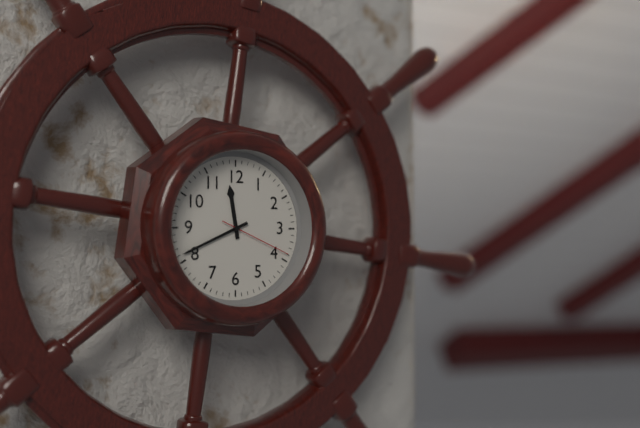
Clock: 11:41:19
